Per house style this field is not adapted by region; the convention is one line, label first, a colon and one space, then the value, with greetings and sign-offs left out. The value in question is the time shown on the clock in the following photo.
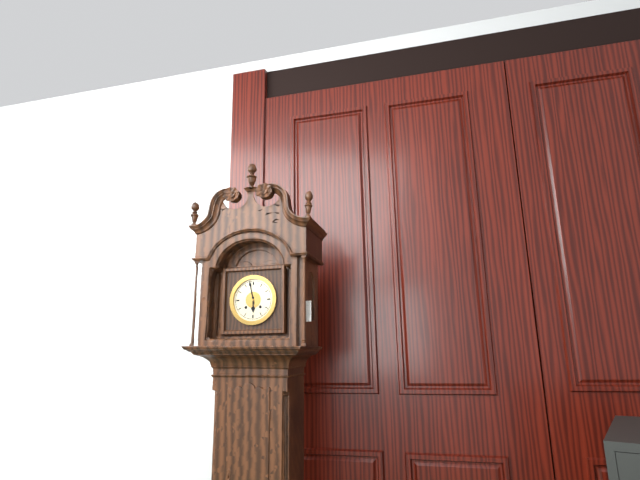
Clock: 5:58
